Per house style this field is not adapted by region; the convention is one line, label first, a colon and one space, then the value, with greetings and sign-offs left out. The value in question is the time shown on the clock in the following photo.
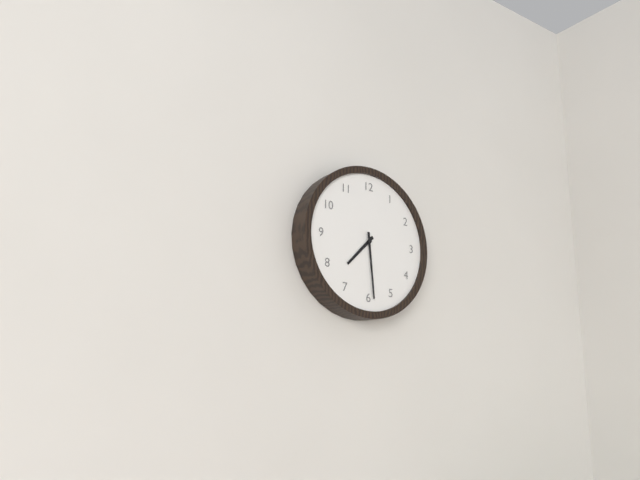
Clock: 7:29
